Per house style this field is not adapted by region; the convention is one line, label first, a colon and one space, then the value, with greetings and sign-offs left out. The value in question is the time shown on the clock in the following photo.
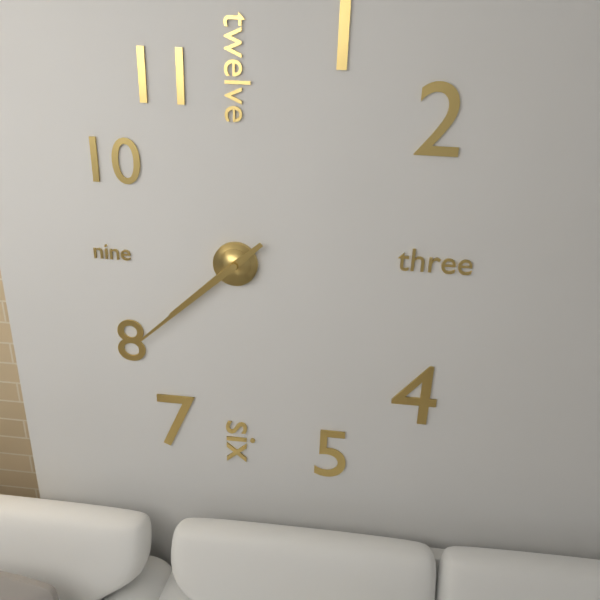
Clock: 7:38
